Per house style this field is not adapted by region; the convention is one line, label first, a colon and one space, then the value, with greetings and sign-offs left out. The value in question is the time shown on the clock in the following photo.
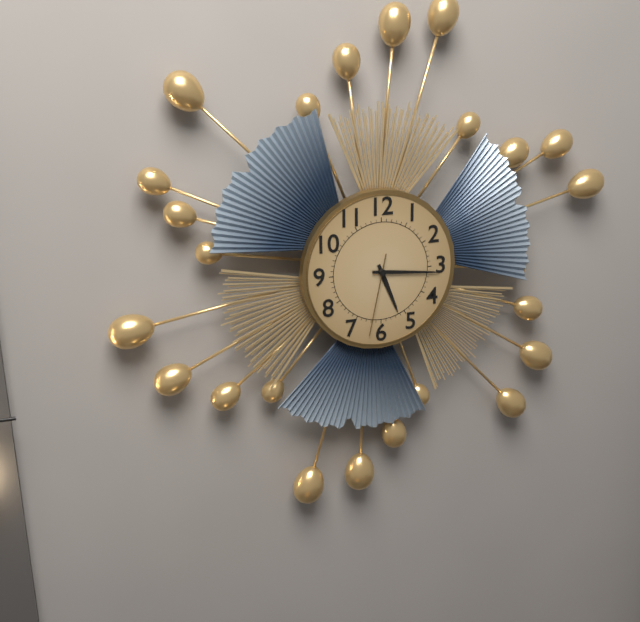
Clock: 5:16:32
